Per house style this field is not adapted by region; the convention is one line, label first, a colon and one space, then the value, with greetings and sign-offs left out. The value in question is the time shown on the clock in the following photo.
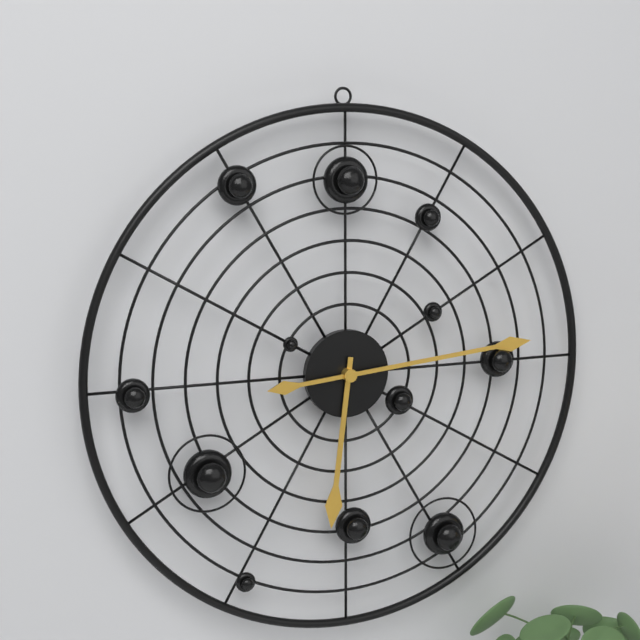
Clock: 6:14
